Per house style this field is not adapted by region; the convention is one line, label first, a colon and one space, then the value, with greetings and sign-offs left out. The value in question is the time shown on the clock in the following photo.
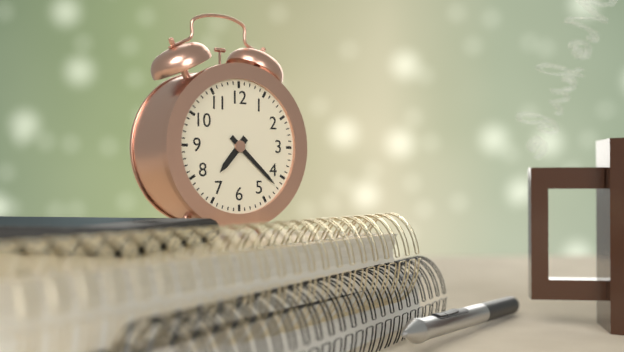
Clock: 7:22
